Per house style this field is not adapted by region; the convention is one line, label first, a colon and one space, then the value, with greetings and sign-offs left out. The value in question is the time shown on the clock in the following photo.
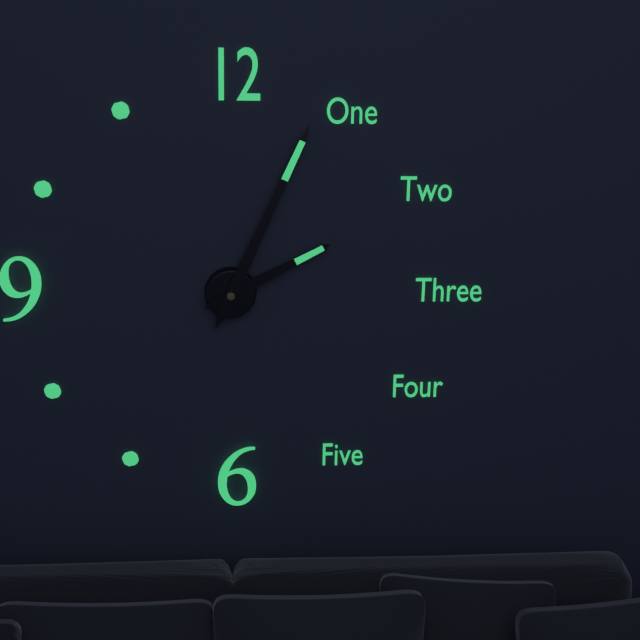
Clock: 2:04
